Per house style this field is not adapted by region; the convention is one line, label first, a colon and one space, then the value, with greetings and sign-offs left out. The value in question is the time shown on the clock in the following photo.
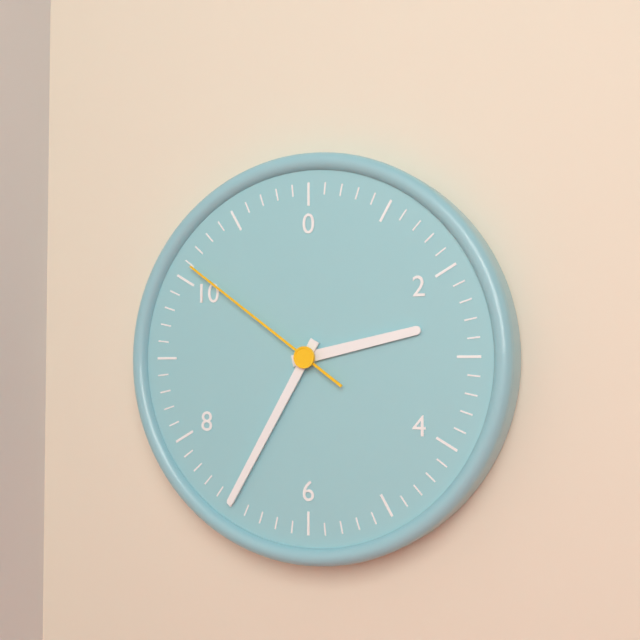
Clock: 2:35:51
